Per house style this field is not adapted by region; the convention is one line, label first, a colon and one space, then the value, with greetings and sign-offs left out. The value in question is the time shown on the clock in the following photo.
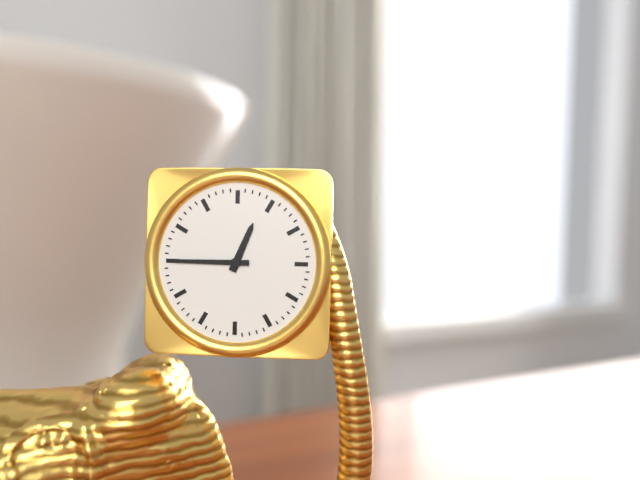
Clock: 12:45
